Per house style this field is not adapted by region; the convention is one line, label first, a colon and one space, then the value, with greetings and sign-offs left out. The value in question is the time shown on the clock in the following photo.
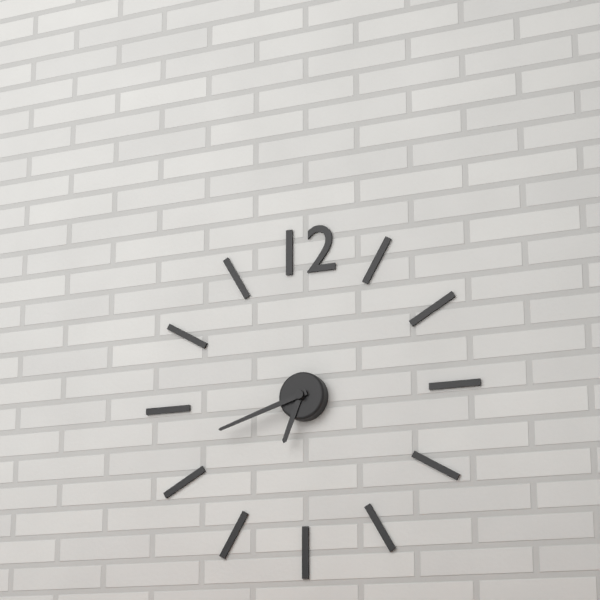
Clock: 6:42
